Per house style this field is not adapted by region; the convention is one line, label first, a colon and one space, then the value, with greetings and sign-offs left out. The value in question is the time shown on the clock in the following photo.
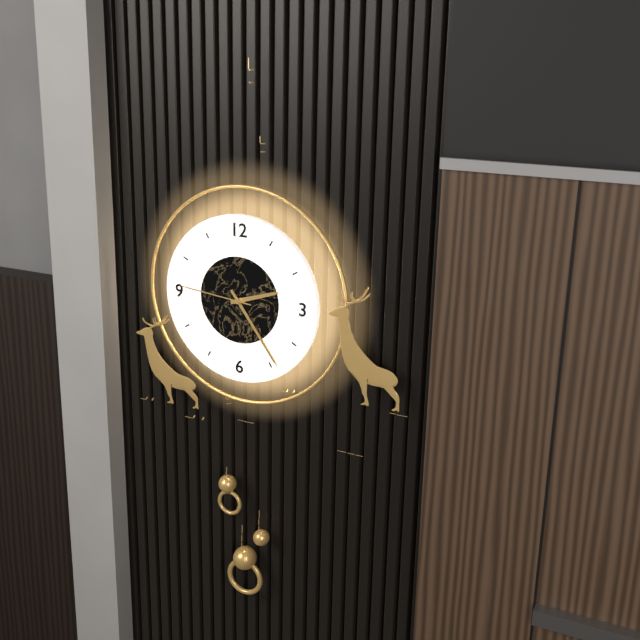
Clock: 2:24:46
